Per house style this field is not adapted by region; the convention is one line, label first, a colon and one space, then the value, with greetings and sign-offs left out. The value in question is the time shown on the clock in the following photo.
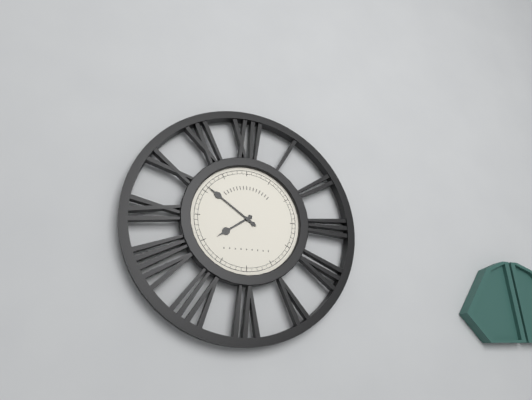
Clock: 7:51
